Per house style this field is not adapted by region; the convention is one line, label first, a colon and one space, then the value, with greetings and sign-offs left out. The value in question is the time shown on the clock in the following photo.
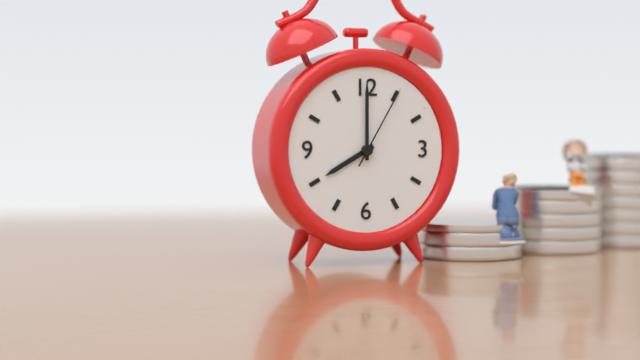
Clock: 8:00:05
